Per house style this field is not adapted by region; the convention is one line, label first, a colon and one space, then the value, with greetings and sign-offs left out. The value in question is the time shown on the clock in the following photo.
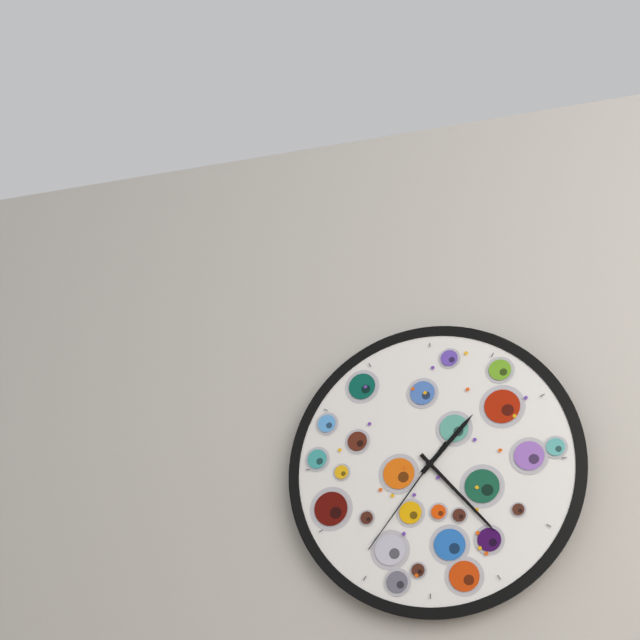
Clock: 1:23:36
